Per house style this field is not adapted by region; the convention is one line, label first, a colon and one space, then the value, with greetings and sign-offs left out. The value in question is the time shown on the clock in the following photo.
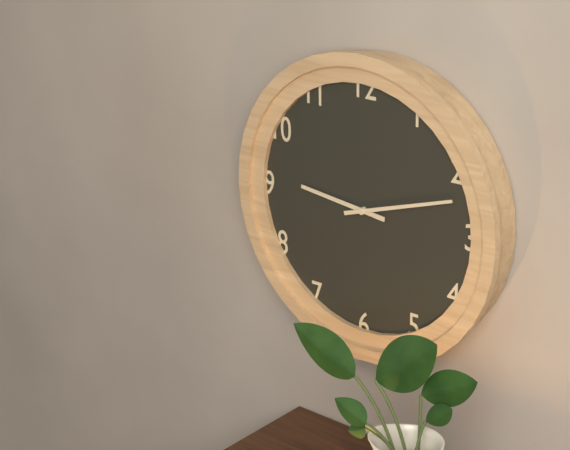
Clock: 9:12
